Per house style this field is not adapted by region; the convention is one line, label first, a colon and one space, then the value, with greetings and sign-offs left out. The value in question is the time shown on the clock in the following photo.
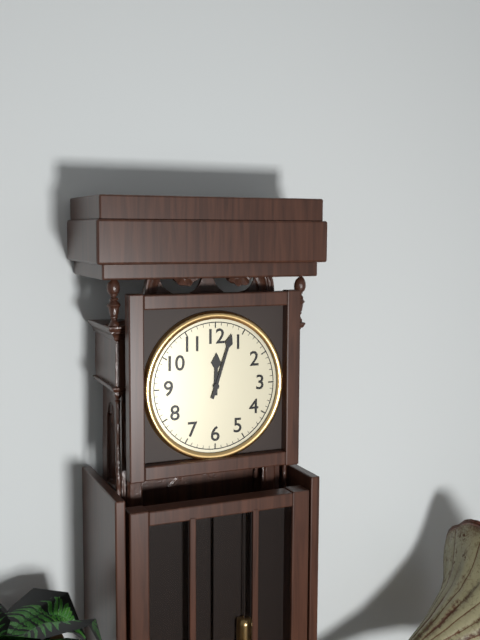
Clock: 12:03
